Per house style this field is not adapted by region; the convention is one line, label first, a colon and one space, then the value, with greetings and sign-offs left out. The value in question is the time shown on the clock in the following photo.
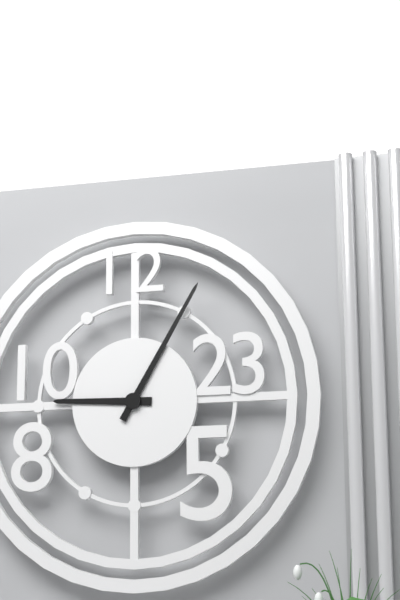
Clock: 9:05
